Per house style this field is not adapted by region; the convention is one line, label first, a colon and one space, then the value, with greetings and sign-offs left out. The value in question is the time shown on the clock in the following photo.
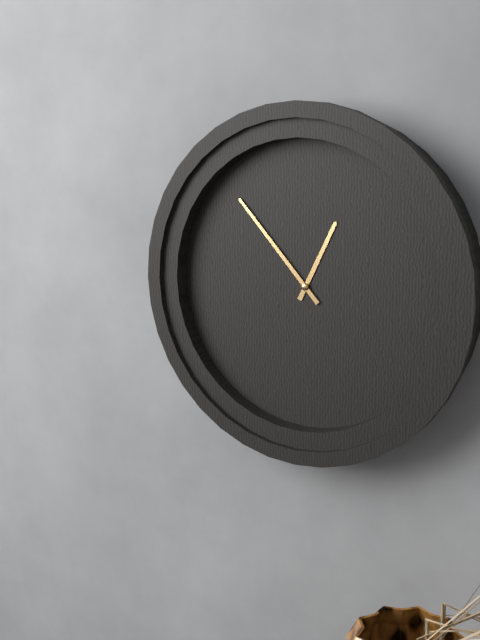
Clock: 12:53
